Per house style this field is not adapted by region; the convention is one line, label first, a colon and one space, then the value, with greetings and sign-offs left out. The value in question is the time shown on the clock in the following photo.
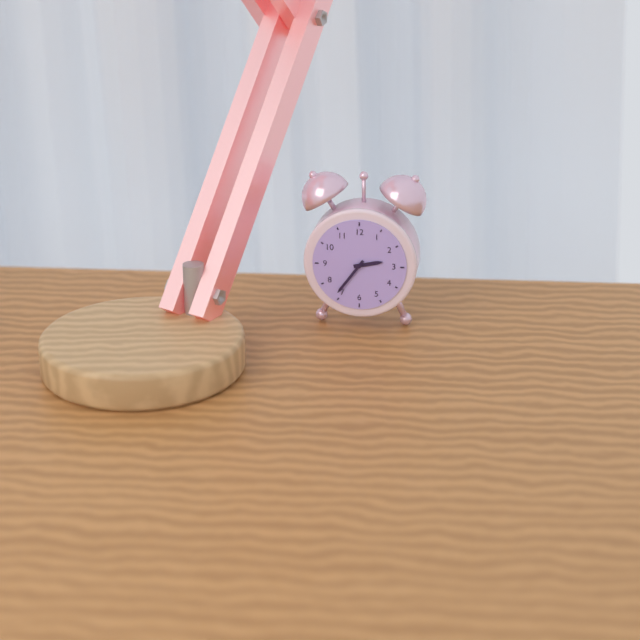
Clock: 2:36
